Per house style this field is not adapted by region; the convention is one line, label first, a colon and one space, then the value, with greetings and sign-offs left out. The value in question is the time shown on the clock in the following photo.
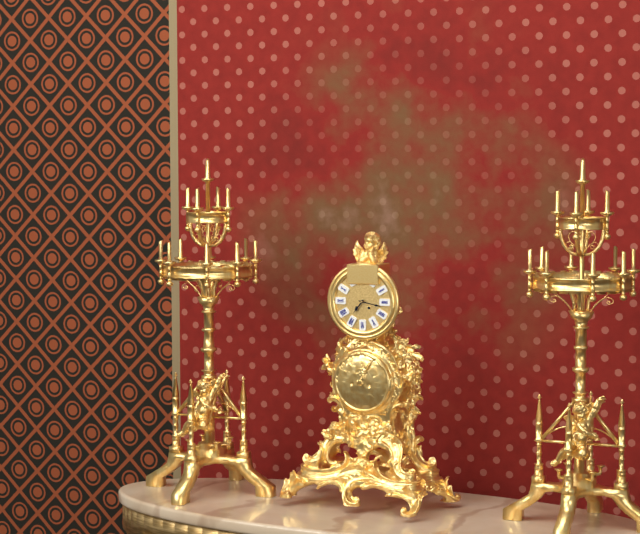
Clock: 7:17
